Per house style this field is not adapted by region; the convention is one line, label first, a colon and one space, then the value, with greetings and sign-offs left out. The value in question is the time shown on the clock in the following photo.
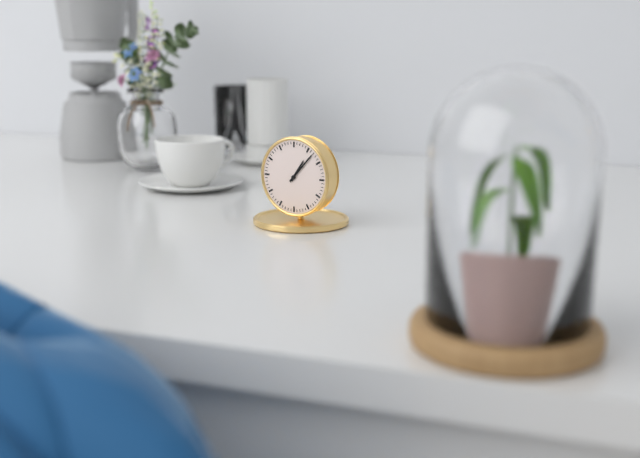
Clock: 1:07
